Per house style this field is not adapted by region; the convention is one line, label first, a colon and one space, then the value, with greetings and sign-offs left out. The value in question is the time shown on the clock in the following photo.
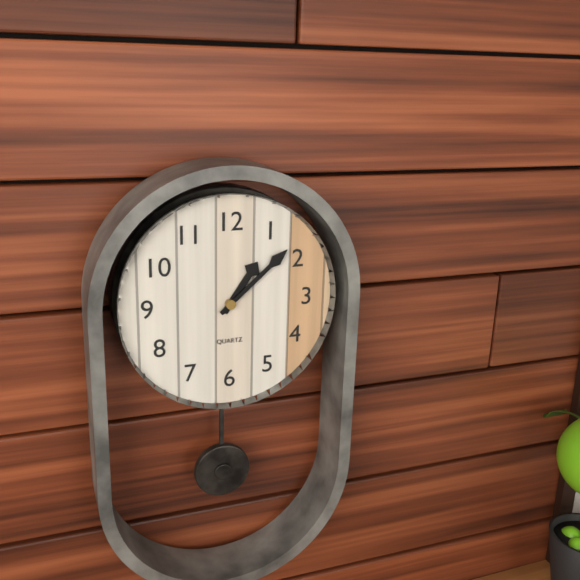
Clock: 1:08
